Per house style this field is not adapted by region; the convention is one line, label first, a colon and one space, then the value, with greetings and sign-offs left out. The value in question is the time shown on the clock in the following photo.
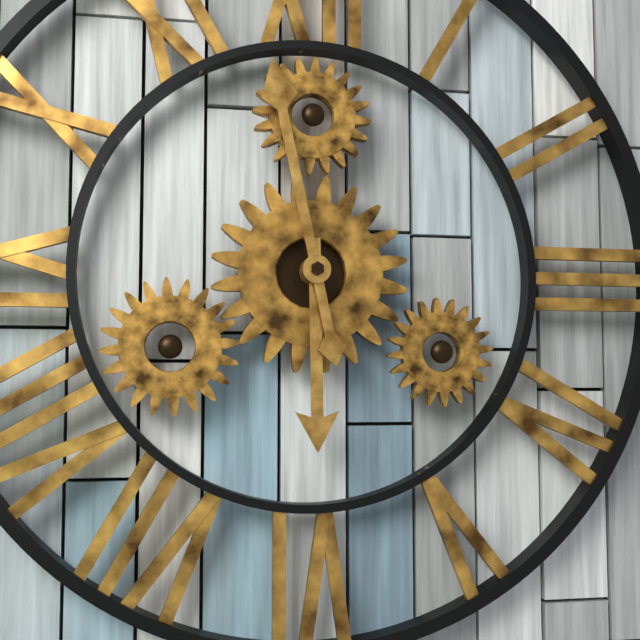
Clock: 5:58
